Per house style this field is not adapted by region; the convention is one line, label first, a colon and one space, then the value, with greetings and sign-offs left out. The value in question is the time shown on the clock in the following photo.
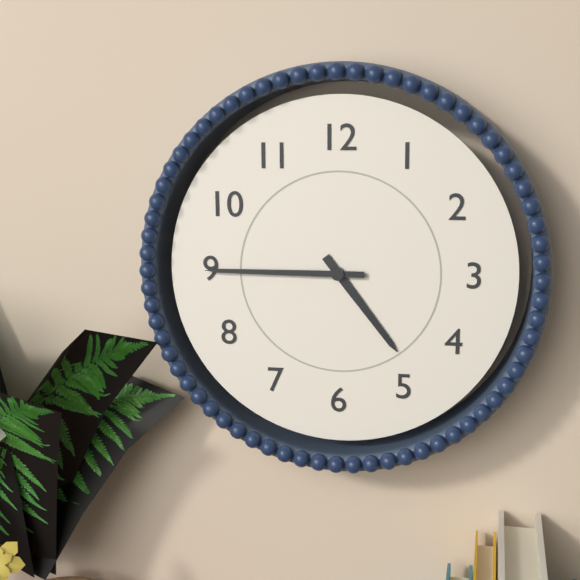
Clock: 4:45
